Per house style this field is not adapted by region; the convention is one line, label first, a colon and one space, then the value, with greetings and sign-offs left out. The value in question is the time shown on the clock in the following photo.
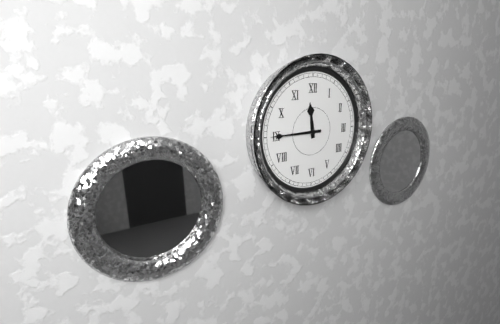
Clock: 11:45
